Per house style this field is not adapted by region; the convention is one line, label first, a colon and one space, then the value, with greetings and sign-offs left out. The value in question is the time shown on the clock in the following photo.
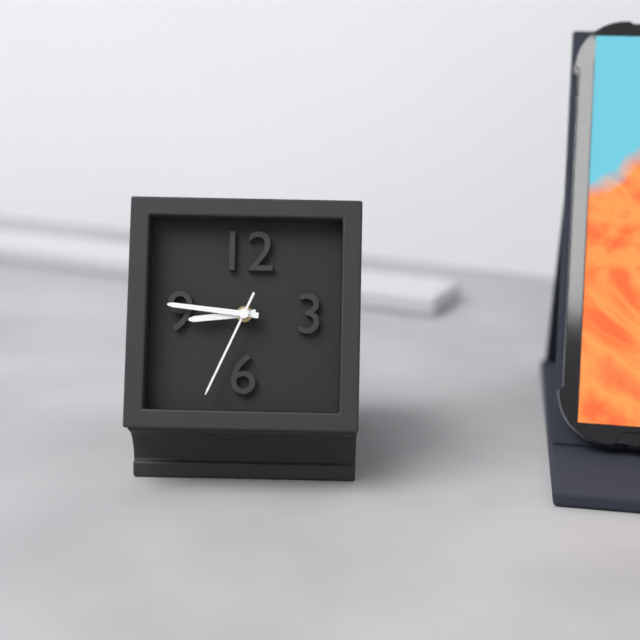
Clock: 8:46:34
